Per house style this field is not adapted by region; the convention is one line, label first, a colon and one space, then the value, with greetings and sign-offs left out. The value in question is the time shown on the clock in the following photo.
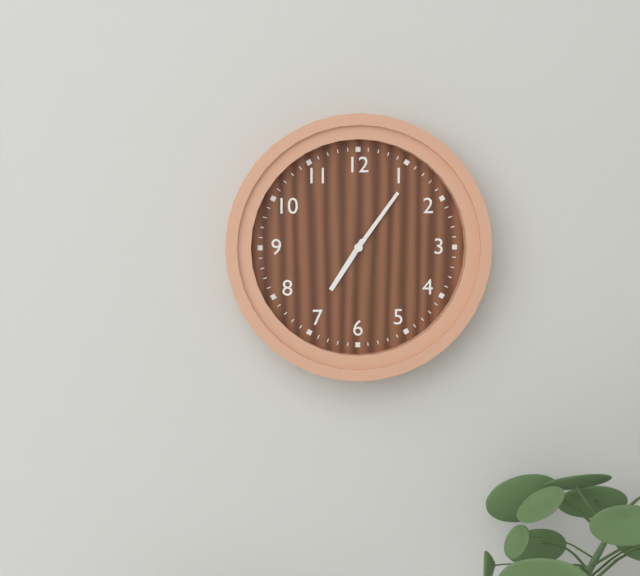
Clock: 7:06
